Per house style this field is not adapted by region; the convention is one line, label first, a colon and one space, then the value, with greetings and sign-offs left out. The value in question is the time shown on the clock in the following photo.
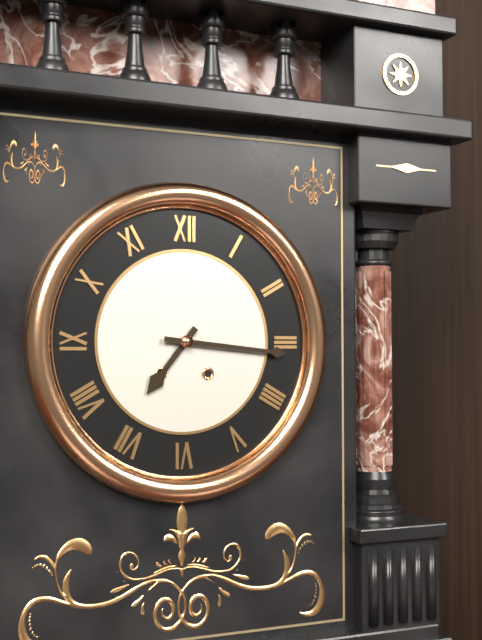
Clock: 7:16
